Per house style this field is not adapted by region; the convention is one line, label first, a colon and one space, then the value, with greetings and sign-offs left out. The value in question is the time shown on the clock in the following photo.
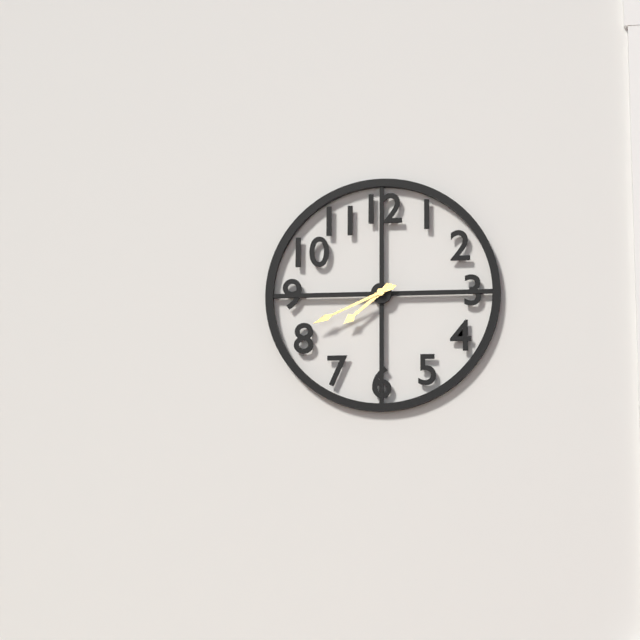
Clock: 7:41
